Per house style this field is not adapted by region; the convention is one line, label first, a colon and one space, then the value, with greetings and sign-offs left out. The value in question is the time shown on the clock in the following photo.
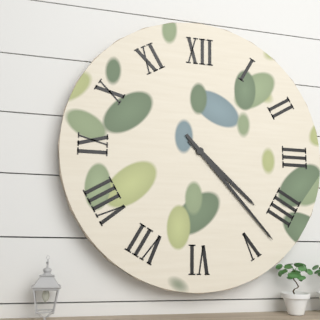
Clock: 4:23
